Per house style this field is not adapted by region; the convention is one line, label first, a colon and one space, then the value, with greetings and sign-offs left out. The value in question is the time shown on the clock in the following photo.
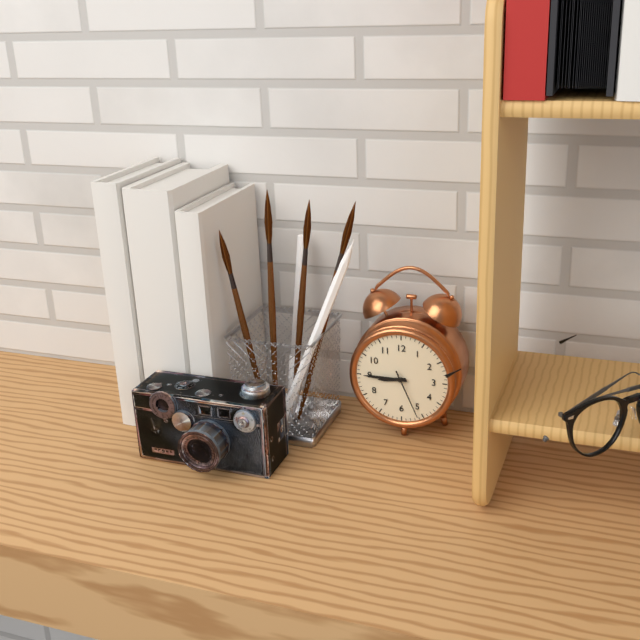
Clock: 8:45:26
